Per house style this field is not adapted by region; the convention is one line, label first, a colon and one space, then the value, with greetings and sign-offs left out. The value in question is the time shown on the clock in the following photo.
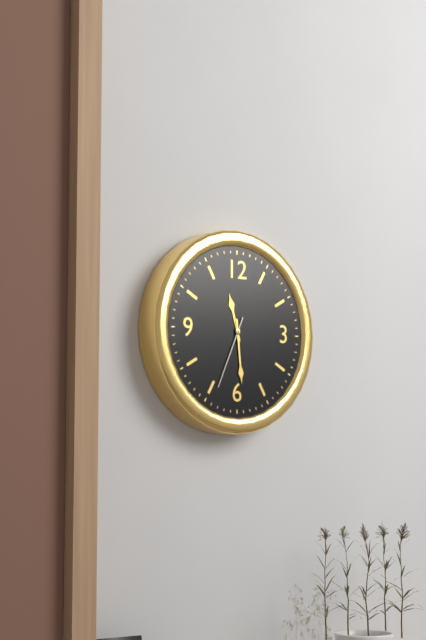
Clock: 11:29:34
